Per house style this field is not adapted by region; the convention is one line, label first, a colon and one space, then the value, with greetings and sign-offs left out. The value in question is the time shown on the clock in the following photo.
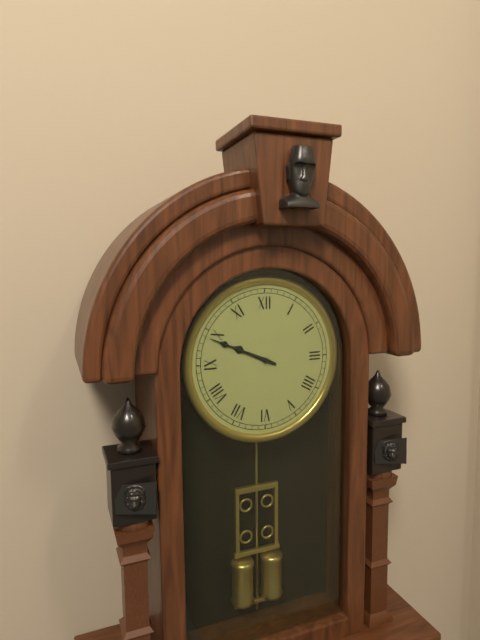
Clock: 9:49
